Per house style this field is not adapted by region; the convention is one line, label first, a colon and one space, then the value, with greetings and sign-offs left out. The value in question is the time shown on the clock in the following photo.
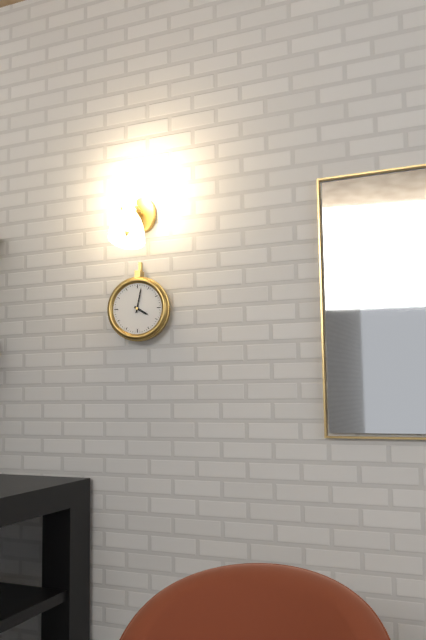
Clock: 4:02
